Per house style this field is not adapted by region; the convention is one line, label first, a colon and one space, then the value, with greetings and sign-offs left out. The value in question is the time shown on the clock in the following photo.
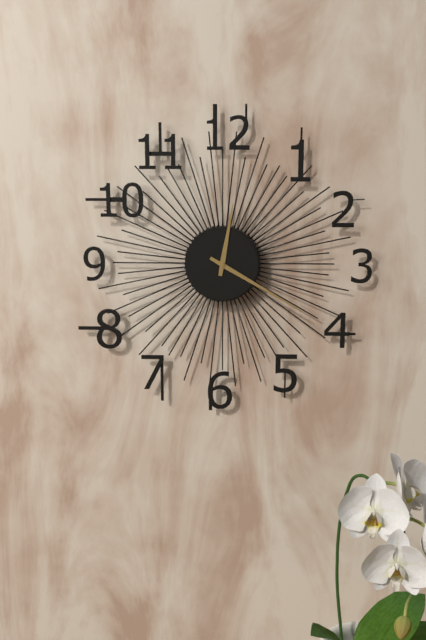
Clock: 12:20
